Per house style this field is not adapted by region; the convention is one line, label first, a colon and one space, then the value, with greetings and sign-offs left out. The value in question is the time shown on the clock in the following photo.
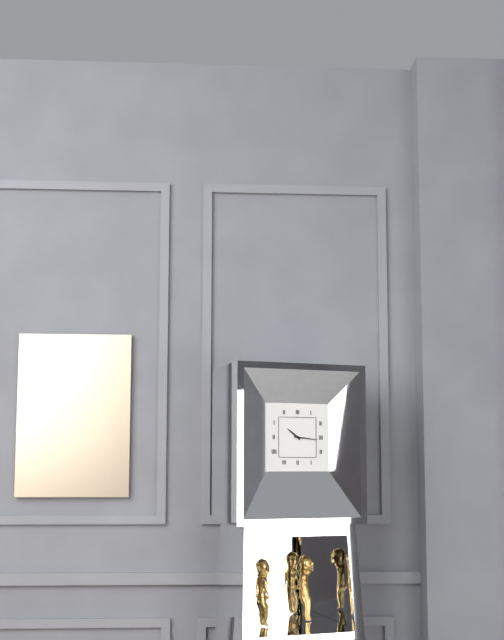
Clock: 10:16
